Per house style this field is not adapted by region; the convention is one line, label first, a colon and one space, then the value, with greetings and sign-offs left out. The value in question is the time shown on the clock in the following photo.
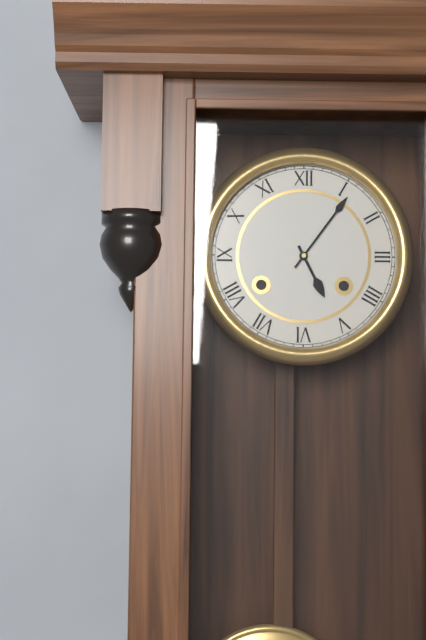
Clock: 5:06
